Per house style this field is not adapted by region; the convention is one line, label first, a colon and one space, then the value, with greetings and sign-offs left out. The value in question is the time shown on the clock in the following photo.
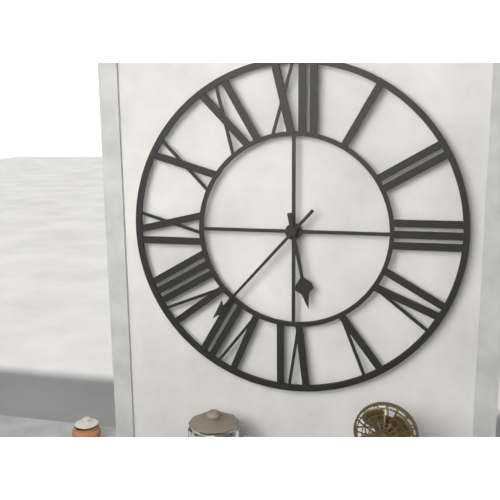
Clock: 5:37
